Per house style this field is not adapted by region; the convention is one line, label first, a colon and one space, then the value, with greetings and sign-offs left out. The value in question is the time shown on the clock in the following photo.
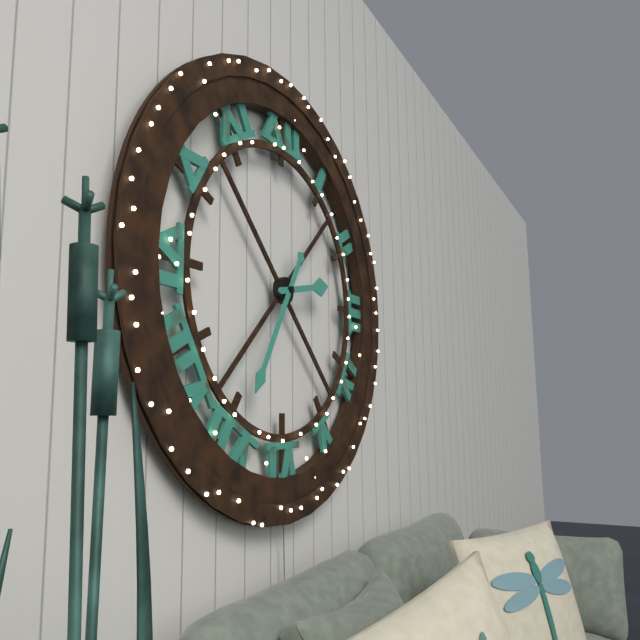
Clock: 2:35
